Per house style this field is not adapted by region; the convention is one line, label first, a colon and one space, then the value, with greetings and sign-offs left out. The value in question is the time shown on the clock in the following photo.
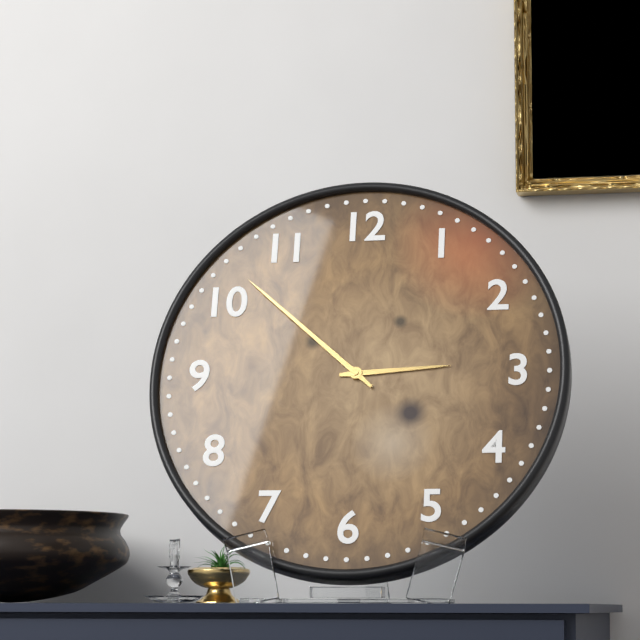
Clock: 2:52
